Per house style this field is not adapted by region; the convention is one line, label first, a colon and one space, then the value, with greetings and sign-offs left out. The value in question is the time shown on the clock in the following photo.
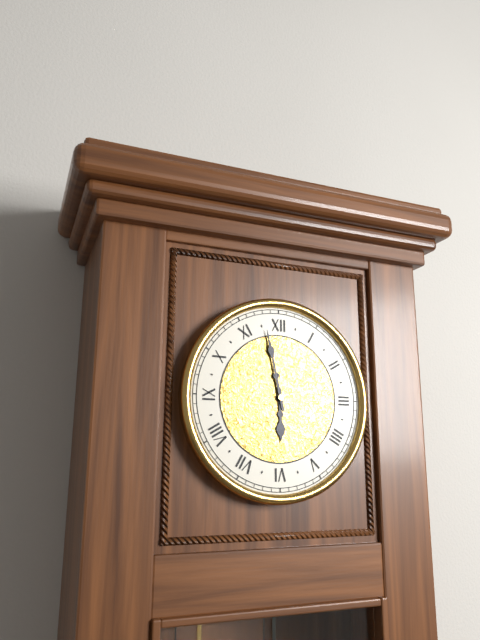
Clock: 5:58
